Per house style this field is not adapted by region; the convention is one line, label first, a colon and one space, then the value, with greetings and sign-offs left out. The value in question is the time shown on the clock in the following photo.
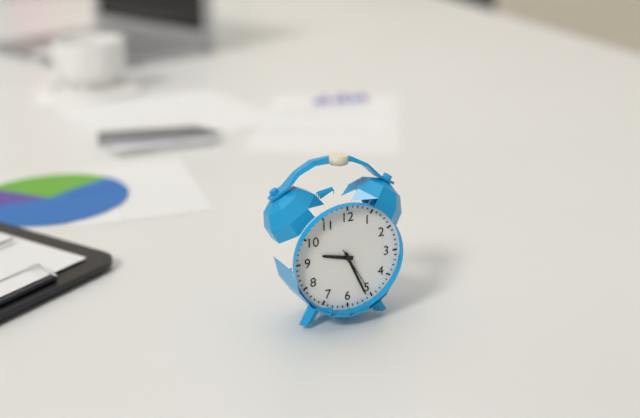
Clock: 9:26
